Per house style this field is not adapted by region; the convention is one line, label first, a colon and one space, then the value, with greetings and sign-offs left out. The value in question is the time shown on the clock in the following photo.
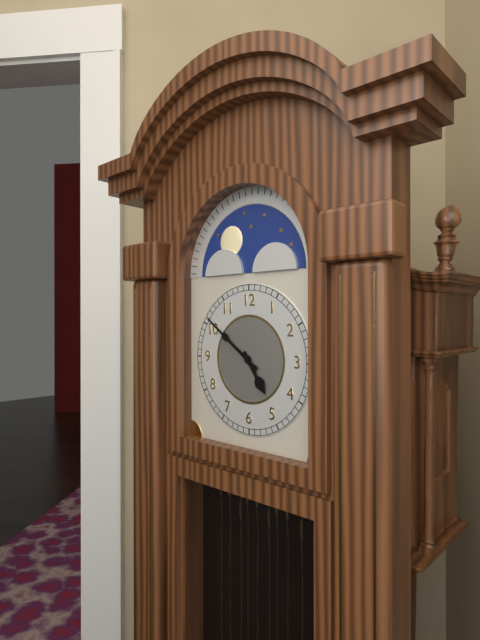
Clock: 4:51
